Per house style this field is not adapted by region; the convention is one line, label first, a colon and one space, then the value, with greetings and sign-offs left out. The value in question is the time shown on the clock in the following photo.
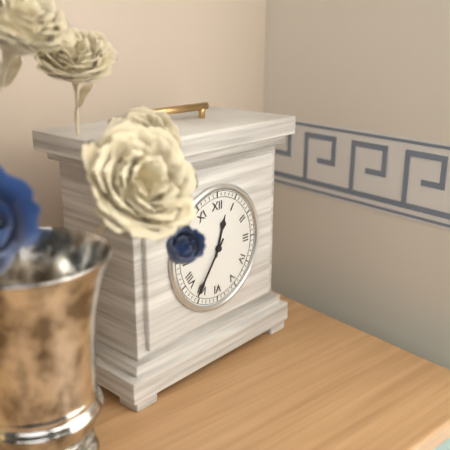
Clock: 12:36
